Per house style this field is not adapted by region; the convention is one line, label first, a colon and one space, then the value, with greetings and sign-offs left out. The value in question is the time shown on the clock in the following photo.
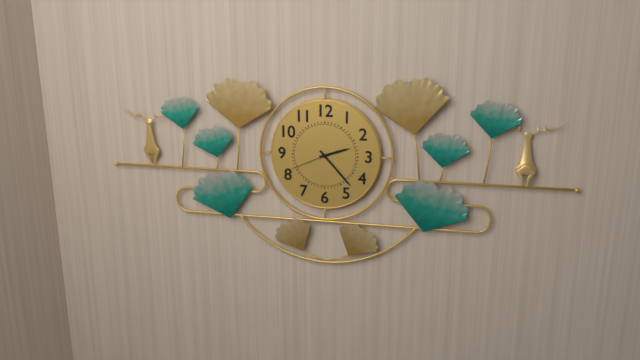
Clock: 2:23
